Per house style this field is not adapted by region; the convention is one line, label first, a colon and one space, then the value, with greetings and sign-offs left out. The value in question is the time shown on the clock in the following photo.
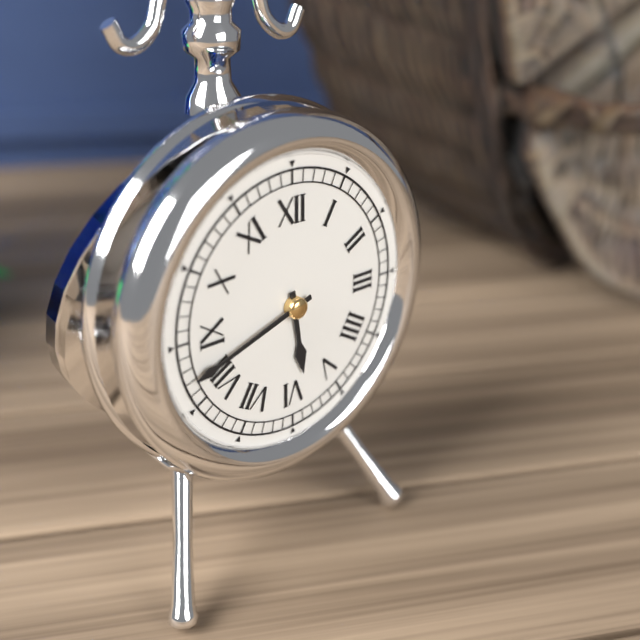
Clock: 5:42
